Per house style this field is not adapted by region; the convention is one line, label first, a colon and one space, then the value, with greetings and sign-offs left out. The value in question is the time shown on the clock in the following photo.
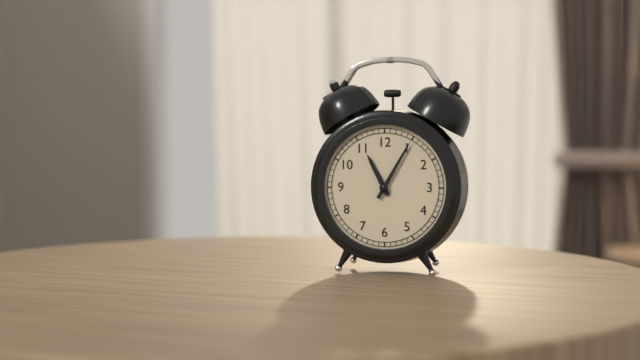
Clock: 11:05
